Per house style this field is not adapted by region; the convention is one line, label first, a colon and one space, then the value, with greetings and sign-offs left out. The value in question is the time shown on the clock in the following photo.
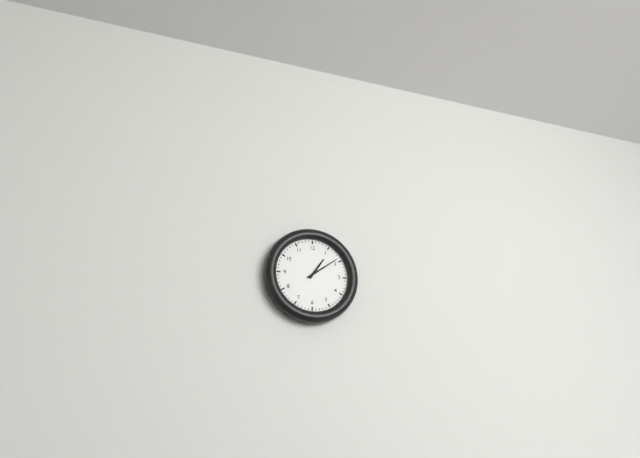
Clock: 1:09
